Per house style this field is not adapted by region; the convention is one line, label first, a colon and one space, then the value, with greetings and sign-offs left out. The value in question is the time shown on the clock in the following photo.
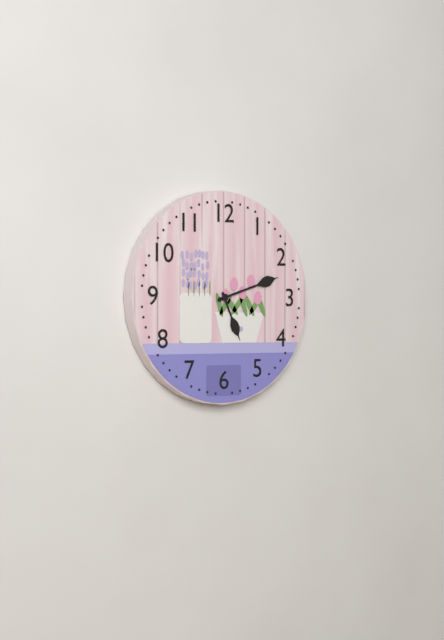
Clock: 5:12
